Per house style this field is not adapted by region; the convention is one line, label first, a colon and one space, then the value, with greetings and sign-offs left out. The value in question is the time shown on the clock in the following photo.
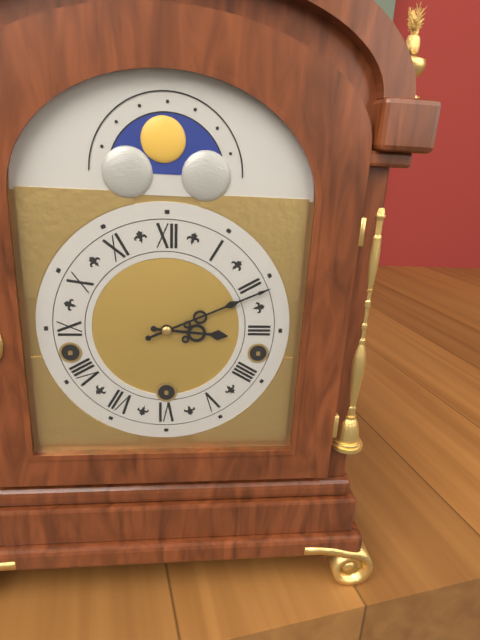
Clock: 3:11
